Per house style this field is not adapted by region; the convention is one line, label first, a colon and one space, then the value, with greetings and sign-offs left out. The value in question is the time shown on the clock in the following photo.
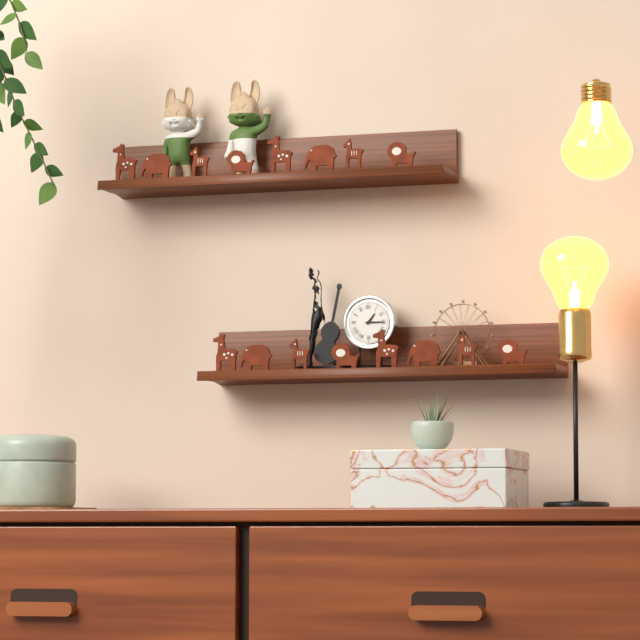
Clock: 1:15
